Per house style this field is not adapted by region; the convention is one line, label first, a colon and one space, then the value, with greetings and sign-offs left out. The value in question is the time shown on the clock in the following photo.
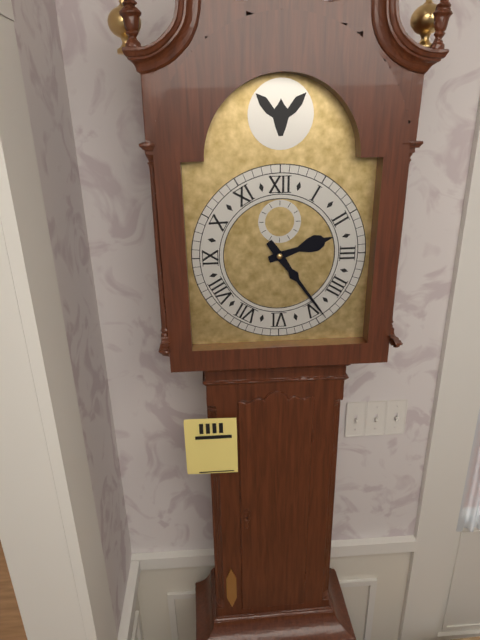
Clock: 2:24
